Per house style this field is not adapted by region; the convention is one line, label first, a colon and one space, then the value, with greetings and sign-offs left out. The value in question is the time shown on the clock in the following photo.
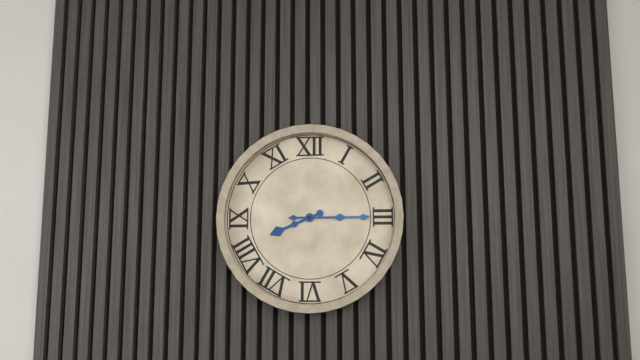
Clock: 8:15
